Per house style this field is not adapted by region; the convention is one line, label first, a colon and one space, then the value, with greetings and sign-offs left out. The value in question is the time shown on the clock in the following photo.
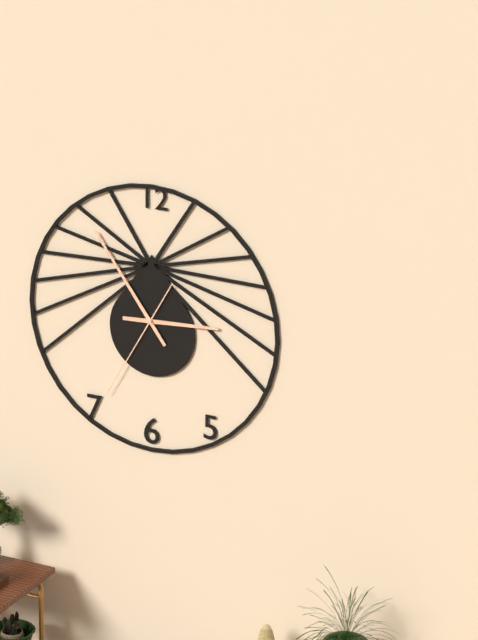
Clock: 2:54:35
